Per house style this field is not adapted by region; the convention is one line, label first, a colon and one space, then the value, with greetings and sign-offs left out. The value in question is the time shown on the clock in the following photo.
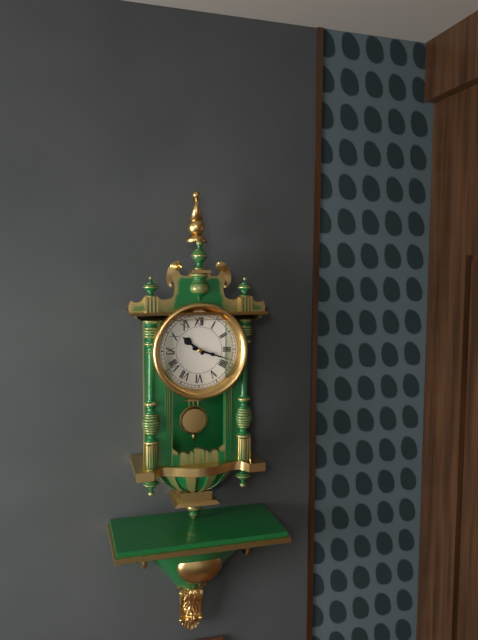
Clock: 10:18
